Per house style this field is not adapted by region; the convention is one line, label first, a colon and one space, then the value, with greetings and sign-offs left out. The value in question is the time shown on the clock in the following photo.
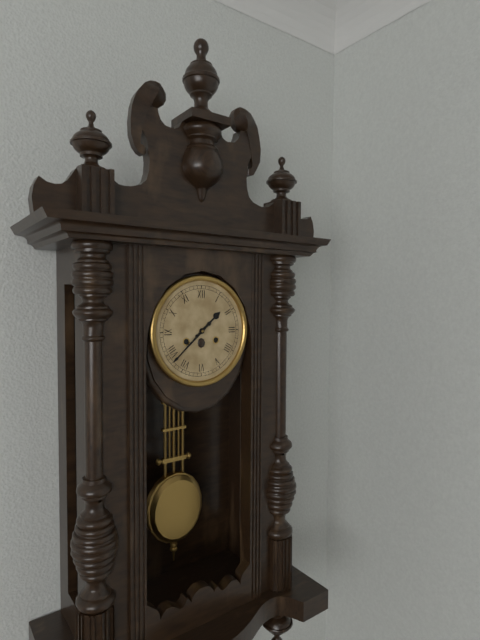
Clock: 1:38
